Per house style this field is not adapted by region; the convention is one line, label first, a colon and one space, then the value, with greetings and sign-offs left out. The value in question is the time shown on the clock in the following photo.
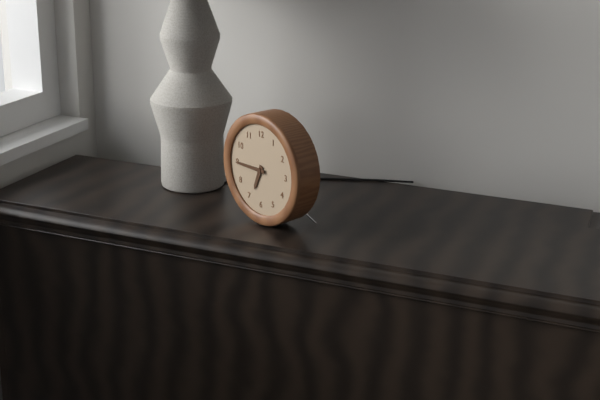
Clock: 6:45
